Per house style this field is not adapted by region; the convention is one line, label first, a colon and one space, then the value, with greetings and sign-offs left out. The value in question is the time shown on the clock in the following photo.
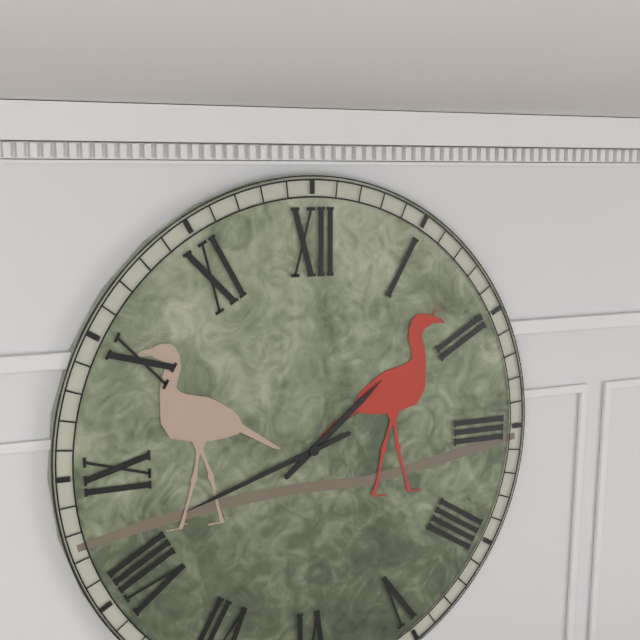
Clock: 1:42
